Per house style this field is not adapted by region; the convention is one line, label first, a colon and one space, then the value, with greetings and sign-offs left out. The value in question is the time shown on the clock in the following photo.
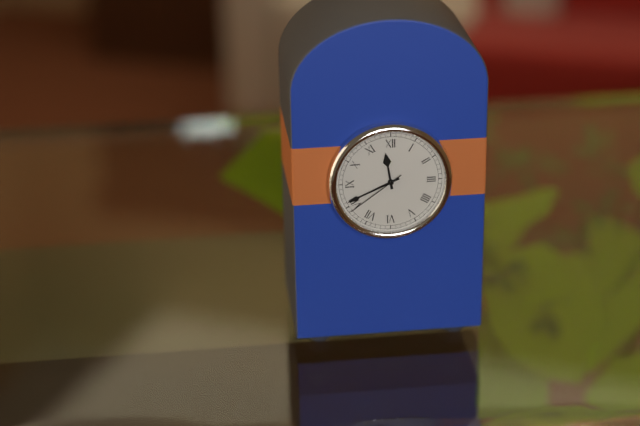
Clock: 11:41:39
